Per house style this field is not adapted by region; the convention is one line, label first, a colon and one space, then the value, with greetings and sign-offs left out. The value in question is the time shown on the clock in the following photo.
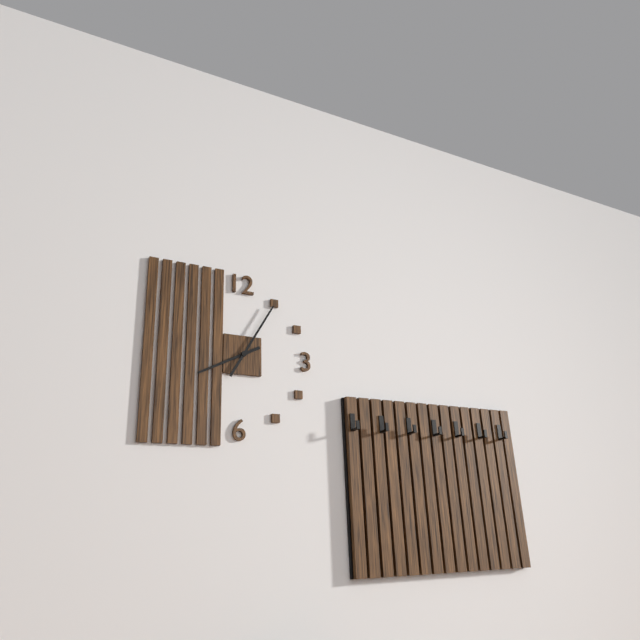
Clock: 8:05
